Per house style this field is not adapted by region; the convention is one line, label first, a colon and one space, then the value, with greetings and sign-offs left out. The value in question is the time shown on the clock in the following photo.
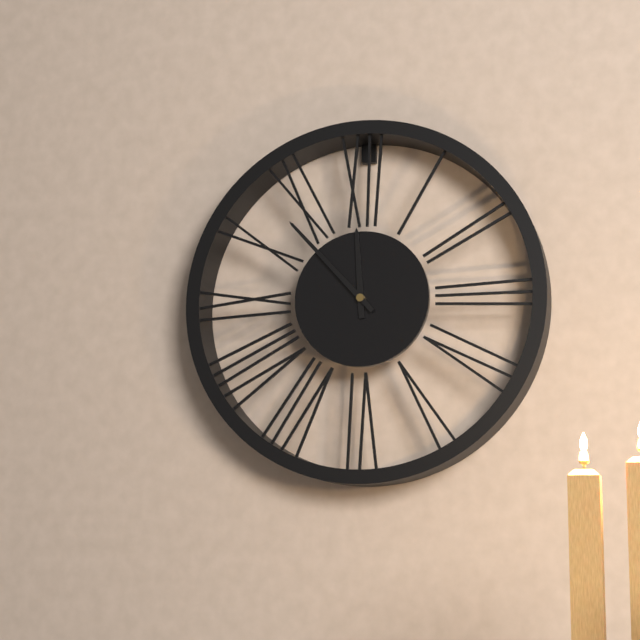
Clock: 11:53
